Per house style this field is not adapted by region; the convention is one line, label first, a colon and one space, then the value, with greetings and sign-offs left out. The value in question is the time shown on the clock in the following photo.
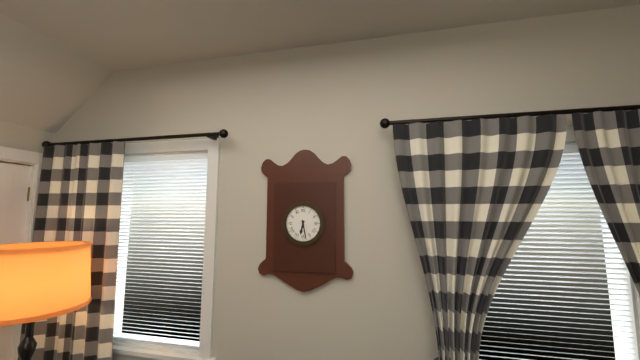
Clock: 6:28
